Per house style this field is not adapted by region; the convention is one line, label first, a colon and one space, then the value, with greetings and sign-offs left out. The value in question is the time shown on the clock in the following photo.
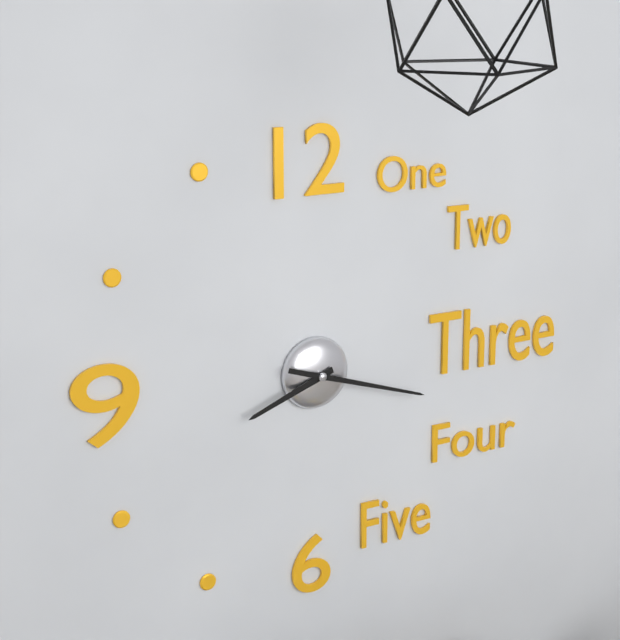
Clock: 8:18
